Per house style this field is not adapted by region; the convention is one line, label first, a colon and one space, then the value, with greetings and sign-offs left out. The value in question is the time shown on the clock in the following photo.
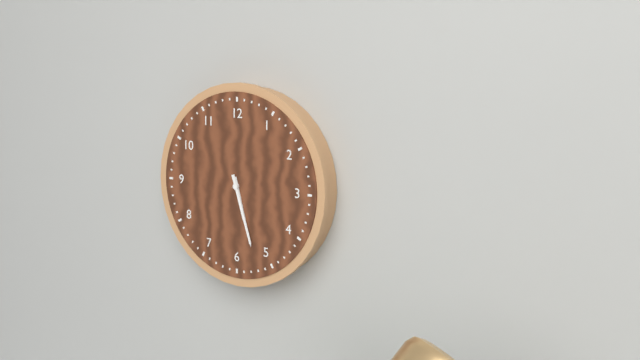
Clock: 5:27
